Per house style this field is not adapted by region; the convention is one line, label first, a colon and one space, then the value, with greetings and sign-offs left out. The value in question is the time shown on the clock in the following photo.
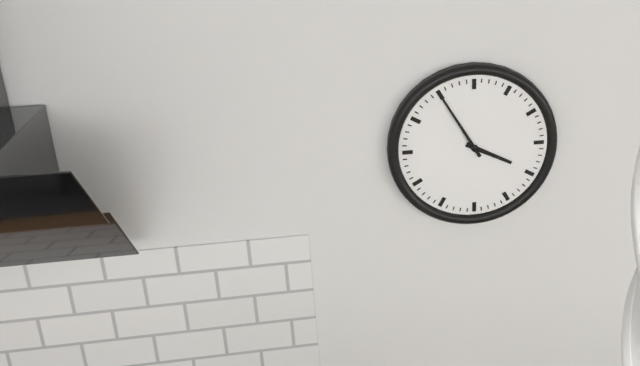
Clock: 3:55
